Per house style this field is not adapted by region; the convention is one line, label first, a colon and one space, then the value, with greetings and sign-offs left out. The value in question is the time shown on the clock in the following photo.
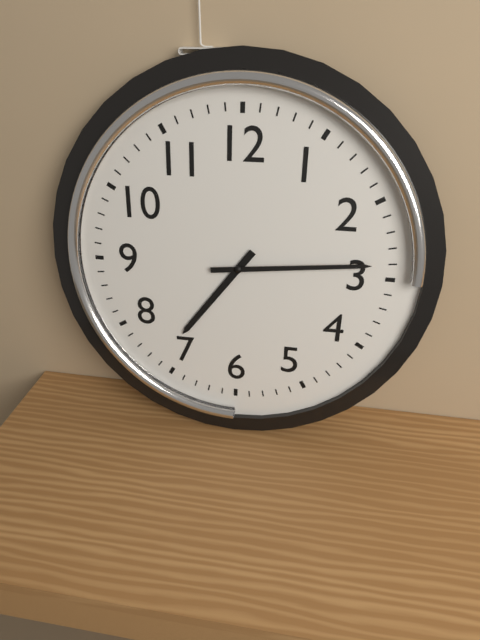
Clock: 7:14
